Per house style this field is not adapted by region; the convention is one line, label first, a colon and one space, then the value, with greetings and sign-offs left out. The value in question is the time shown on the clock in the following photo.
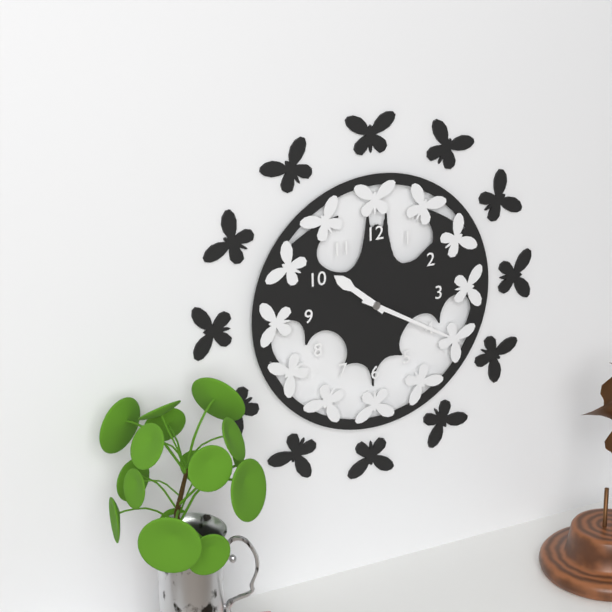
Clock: 10:20
